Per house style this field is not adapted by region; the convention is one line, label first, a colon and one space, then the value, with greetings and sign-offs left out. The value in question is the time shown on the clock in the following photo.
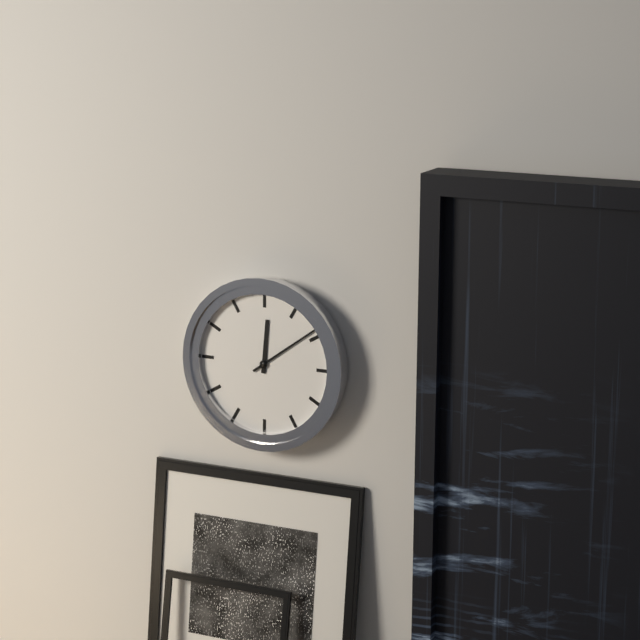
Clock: 12:09
